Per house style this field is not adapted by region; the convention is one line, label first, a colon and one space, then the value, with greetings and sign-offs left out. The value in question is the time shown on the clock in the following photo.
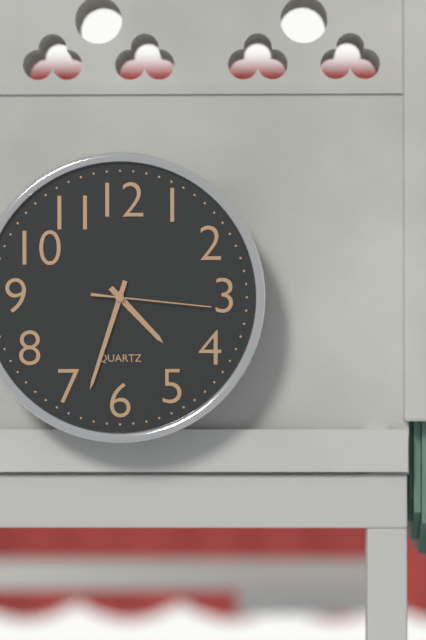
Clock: 4:33:16
